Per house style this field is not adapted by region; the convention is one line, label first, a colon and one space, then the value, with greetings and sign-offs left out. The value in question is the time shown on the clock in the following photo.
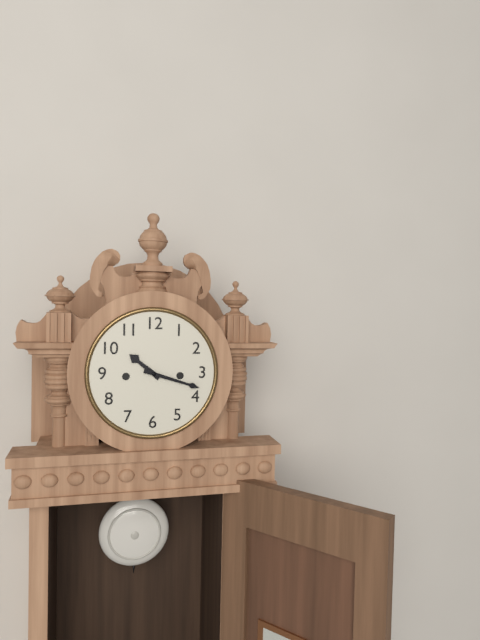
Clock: 10:18
